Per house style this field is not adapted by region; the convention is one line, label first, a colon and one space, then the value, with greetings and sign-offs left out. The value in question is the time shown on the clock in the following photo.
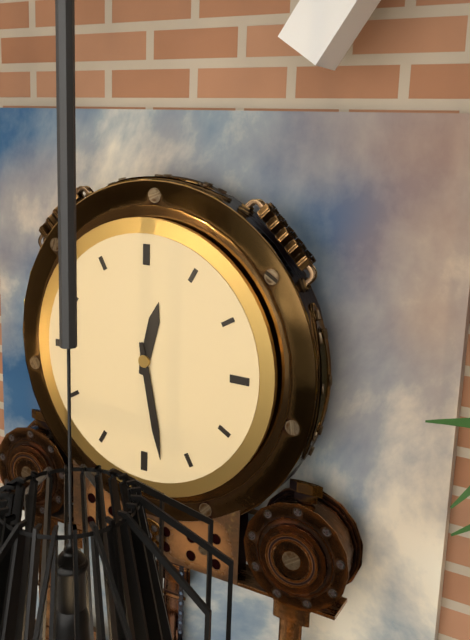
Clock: 12:28
